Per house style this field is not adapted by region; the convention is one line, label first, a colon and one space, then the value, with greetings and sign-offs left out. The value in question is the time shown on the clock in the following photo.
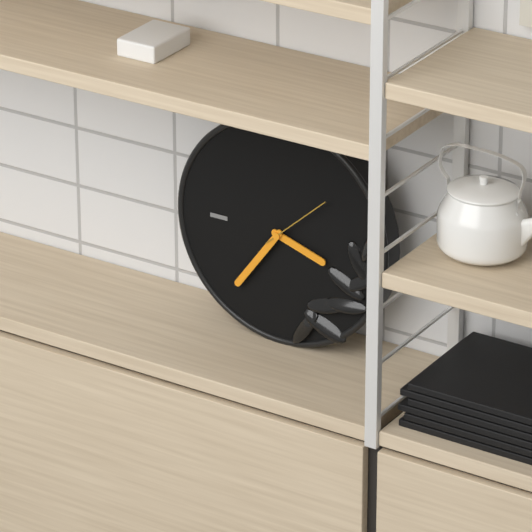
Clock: 3:36:08
